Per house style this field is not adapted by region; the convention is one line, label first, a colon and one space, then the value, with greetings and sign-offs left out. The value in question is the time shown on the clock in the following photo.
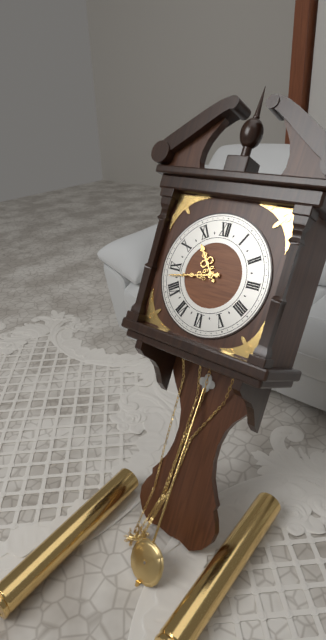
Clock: 10:43
